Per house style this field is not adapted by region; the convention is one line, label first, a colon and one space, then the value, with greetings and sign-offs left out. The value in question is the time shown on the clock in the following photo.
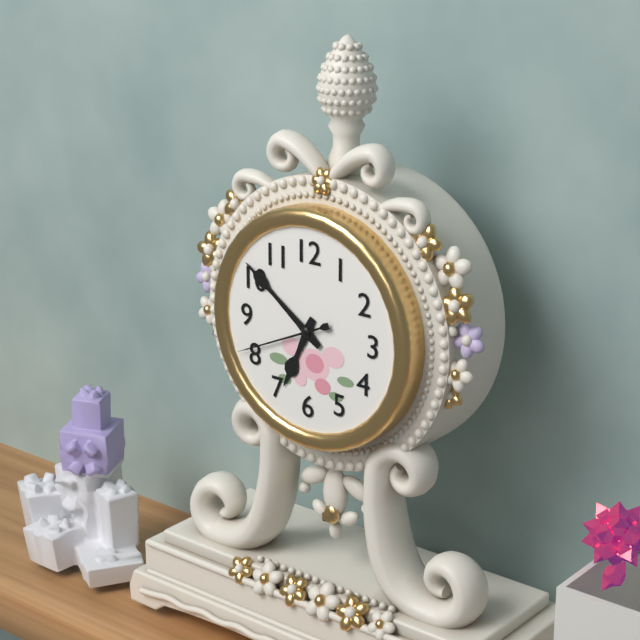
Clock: 6:51:41
